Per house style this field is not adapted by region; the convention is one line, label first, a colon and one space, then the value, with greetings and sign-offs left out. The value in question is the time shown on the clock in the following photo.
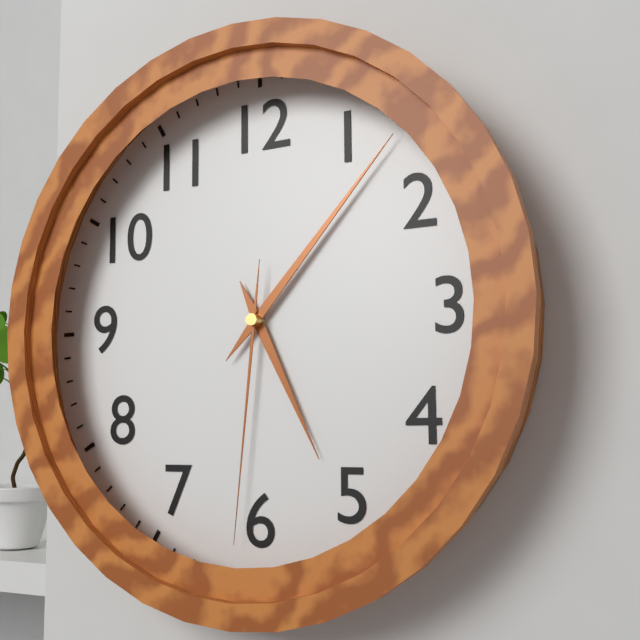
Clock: 5:07:31
